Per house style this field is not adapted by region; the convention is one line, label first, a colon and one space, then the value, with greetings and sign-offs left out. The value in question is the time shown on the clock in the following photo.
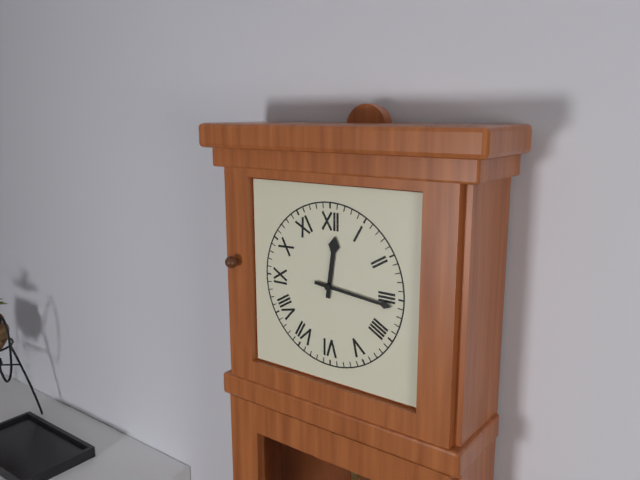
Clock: 12:16
